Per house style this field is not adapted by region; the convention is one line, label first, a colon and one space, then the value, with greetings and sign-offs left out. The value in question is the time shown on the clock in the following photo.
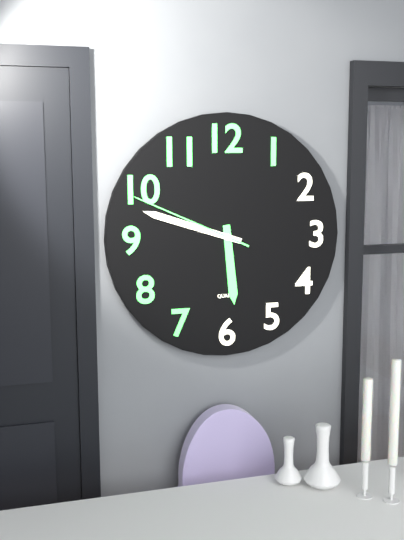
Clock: 5:48:49
